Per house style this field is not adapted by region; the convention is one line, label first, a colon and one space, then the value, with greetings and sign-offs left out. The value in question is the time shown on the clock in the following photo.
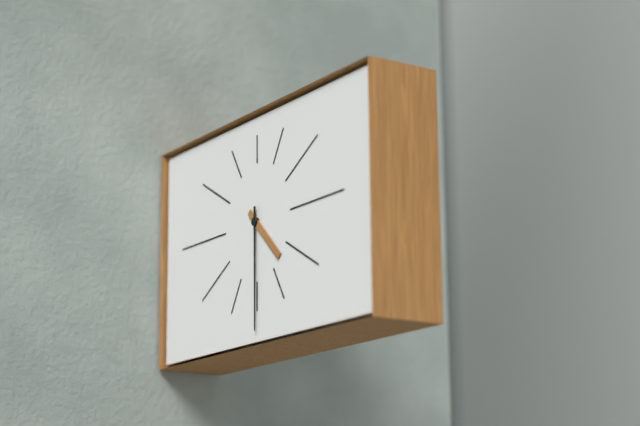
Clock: 4:30
